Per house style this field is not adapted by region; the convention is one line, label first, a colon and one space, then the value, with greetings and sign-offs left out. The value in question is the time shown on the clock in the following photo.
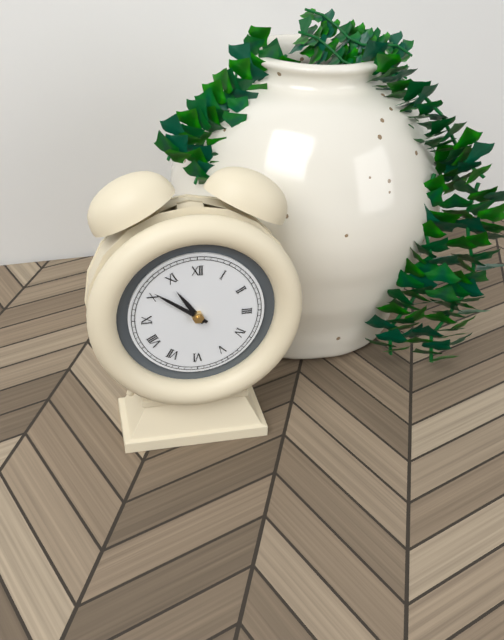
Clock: 10:51
